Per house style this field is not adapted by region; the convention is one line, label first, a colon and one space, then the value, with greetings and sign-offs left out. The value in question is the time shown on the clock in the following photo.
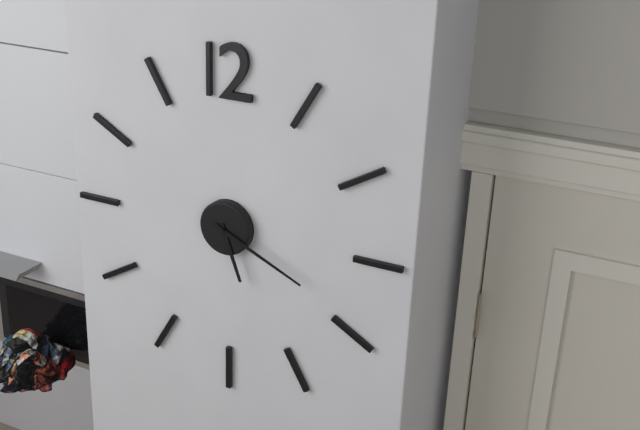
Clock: 5:19
